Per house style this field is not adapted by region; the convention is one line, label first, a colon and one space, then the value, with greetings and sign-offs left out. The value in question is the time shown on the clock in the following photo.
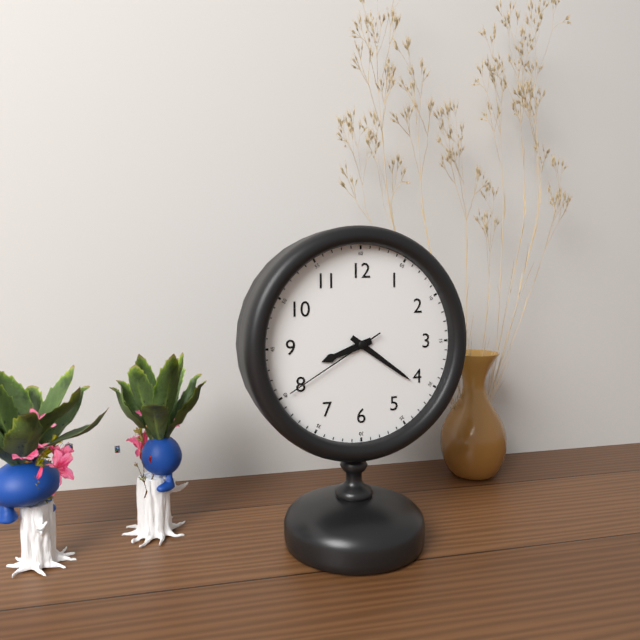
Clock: 8:21:40
